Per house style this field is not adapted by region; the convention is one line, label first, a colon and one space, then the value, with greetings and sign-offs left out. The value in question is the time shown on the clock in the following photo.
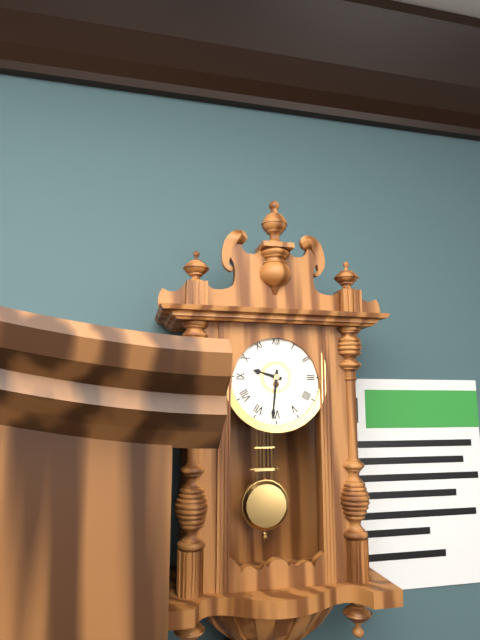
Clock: 9:31
